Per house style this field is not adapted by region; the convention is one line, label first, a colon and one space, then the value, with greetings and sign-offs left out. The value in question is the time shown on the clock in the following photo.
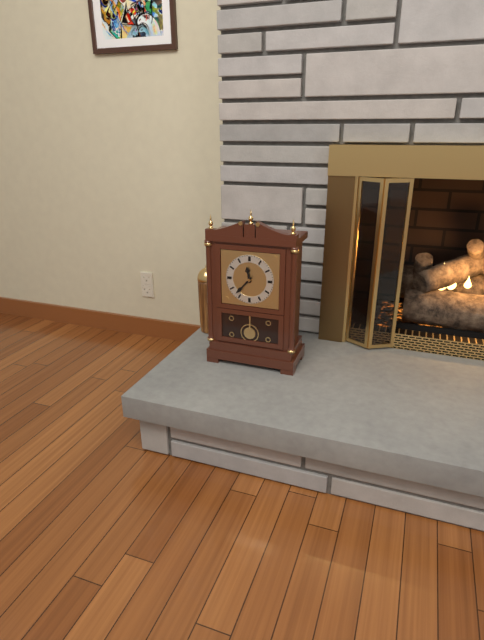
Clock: 11:37
